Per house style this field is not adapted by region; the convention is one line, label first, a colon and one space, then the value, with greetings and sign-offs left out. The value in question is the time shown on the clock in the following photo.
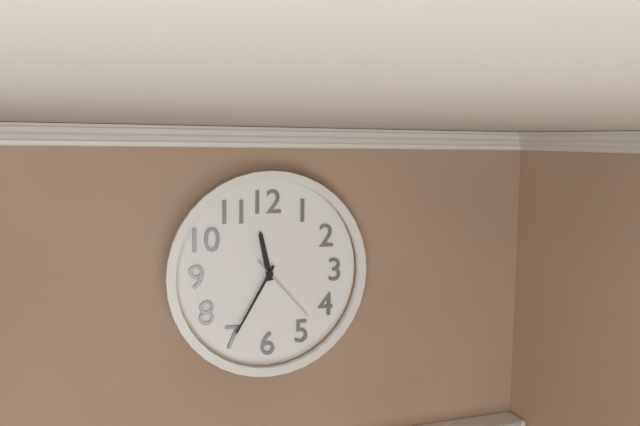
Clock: 11:35:23
